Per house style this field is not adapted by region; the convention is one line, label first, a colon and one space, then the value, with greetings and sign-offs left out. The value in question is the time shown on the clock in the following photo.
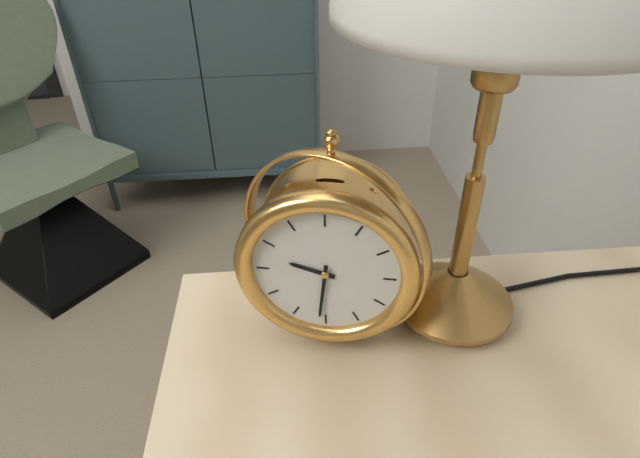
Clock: 9:31
